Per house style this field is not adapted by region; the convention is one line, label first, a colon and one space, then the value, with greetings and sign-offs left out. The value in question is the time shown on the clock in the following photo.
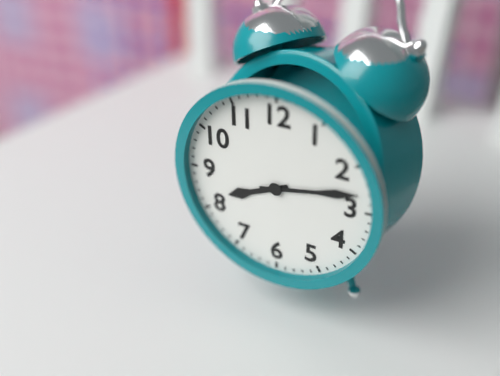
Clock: 8:13
